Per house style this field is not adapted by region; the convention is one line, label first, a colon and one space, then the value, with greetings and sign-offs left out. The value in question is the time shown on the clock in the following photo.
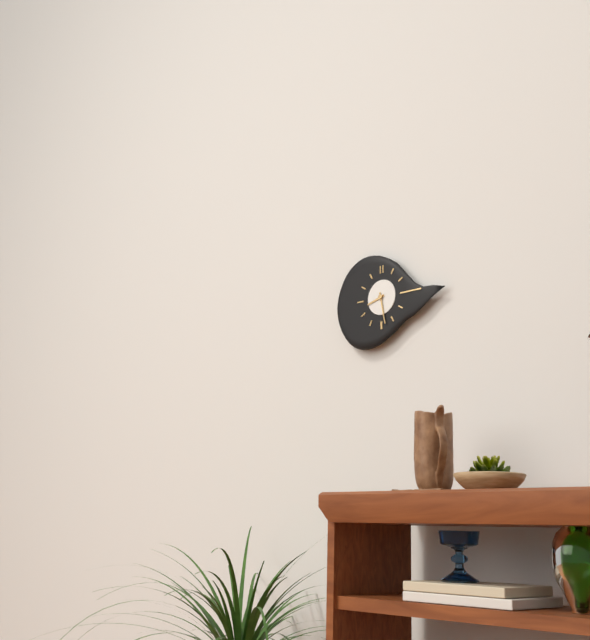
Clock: 8:28
